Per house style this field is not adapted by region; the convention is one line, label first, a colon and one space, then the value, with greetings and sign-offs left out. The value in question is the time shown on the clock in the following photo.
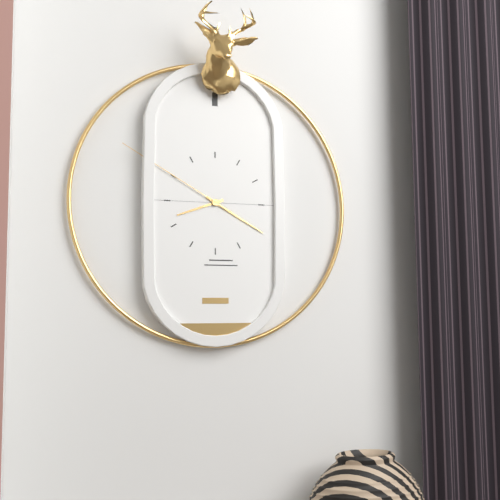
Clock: 8:20:50
